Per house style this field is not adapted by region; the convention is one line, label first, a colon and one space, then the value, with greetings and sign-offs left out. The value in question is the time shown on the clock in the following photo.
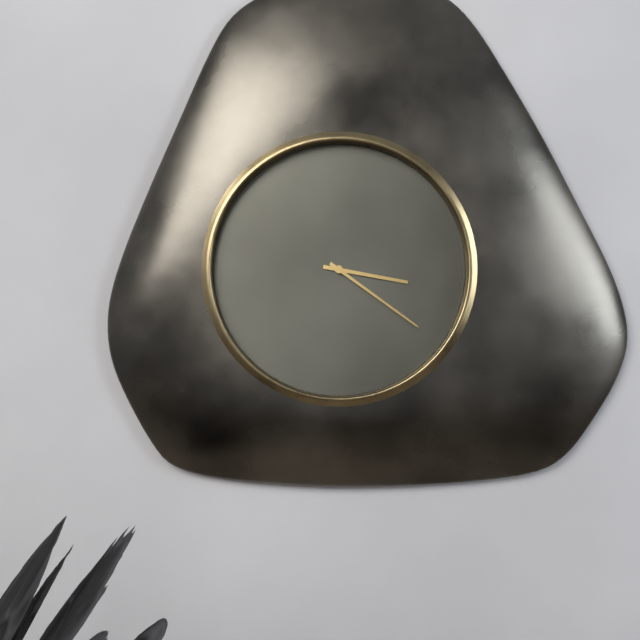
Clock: 3:21
